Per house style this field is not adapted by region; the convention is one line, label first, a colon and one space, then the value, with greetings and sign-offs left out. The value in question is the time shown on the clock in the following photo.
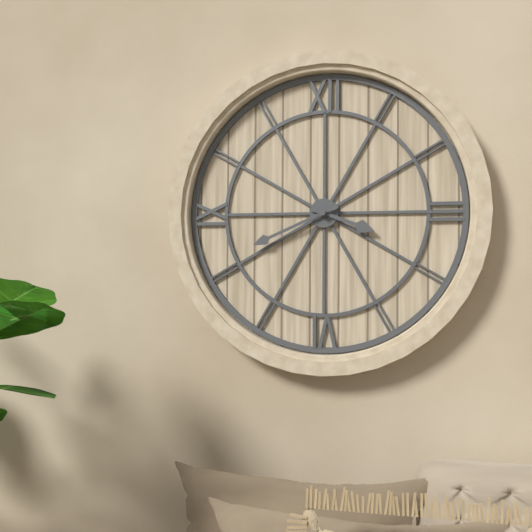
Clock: 3:41
